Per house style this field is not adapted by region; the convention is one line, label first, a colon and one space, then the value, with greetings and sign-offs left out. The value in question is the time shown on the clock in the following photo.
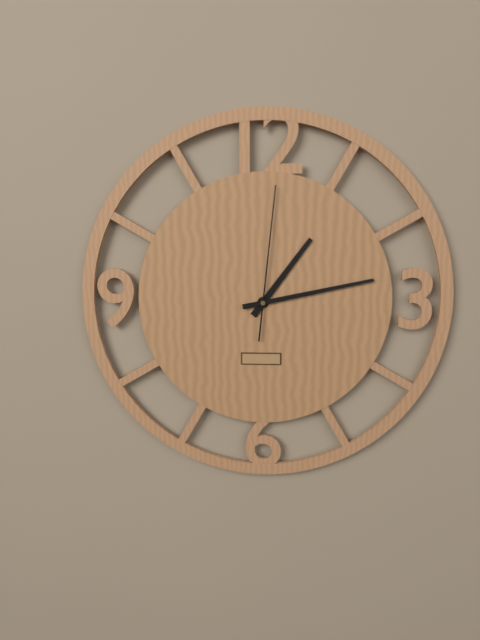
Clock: 1:13:01
